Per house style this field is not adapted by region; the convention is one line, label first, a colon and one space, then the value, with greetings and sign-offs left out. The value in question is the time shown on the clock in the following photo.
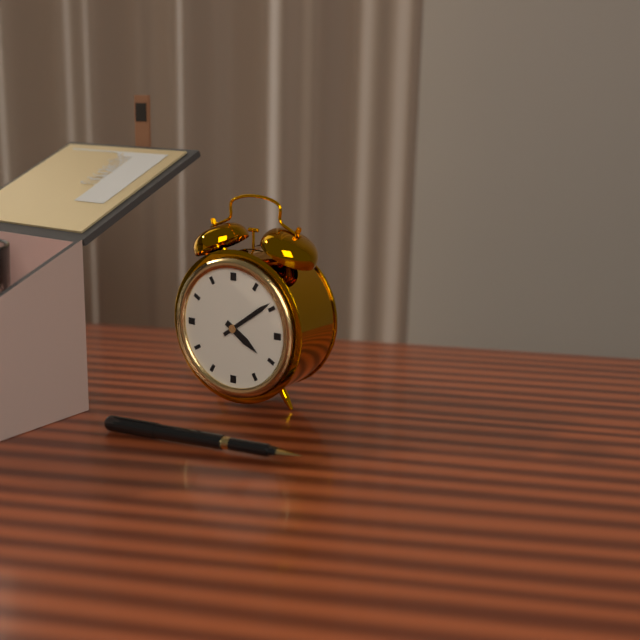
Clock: 4:09
